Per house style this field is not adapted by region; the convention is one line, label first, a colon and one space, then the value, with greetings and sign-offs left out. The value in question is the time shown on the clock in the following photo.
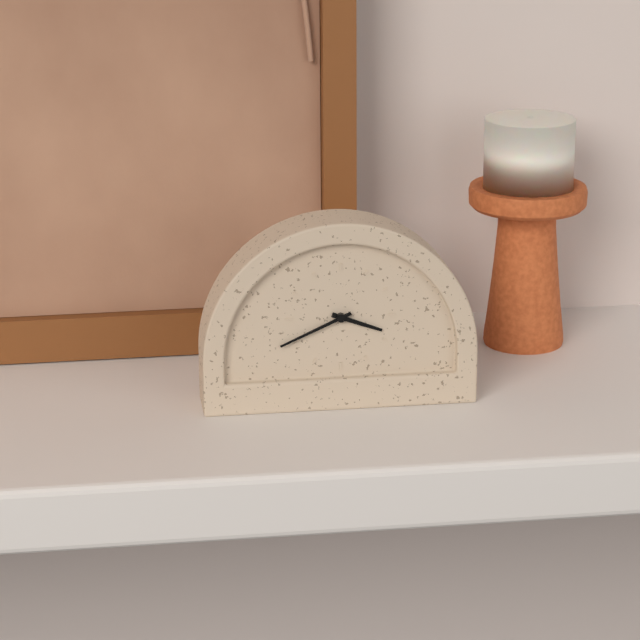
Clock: 3:41
